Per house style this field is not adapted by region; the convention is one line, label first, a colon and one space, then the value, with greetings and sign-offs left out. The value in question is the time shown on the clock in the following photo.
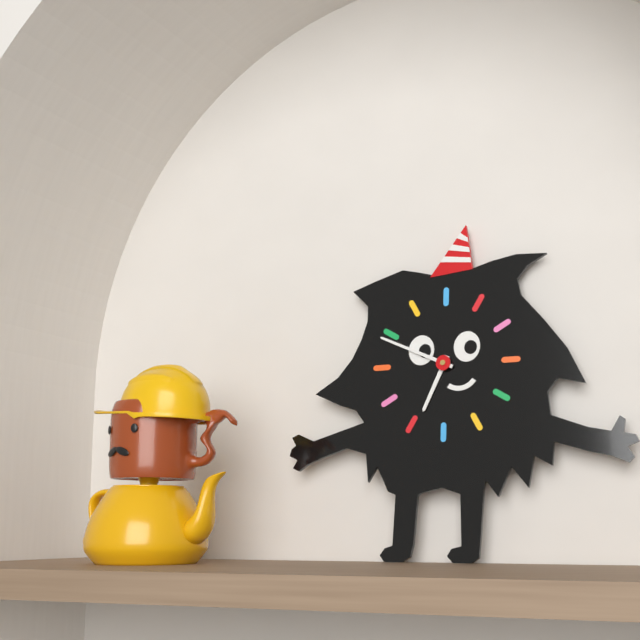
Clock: 6:49
